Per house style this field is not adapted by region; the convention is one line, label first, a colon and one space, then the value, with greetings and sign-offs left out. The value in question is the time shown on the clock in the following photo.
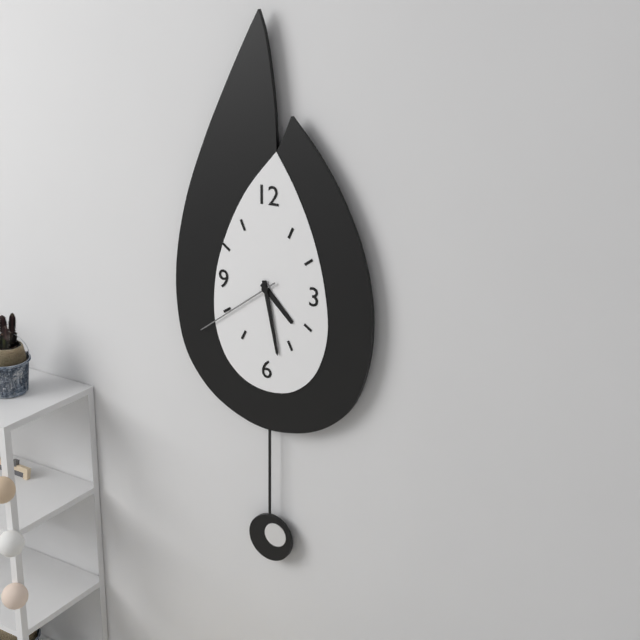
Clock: 4:28:39
